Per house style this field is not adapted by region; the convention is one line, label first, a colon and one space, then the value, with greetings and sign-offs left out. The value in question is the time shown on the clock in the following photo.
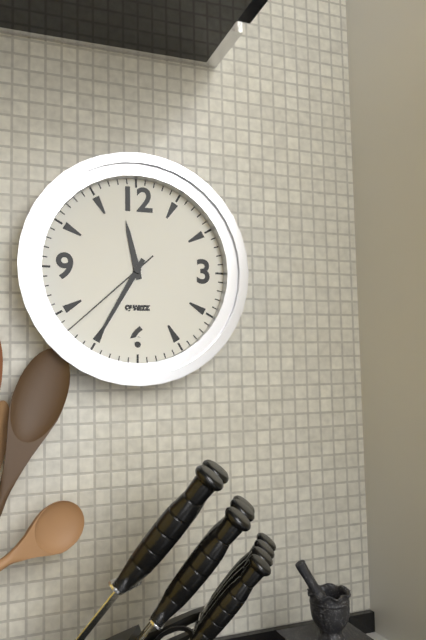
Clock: 11:35:38
